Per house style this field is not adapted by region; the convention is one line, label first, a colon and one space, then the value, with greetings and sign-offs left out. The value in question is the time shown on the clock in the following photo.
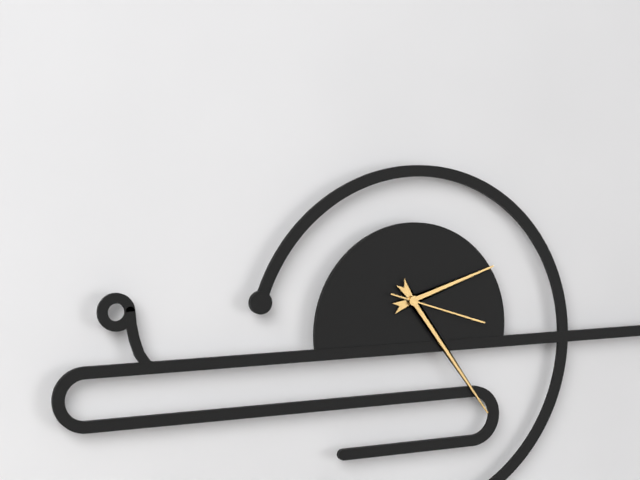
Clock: 2:24:18
